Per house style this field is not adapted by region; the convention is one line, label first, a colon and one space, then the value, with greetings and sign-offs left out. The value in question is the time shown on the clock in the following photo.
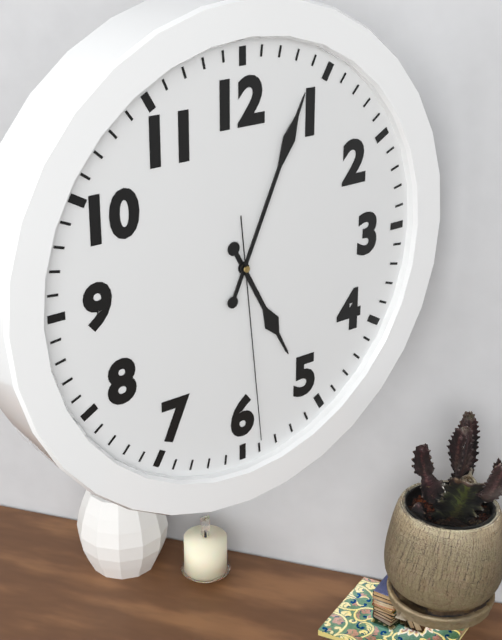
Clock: 5:04:29
